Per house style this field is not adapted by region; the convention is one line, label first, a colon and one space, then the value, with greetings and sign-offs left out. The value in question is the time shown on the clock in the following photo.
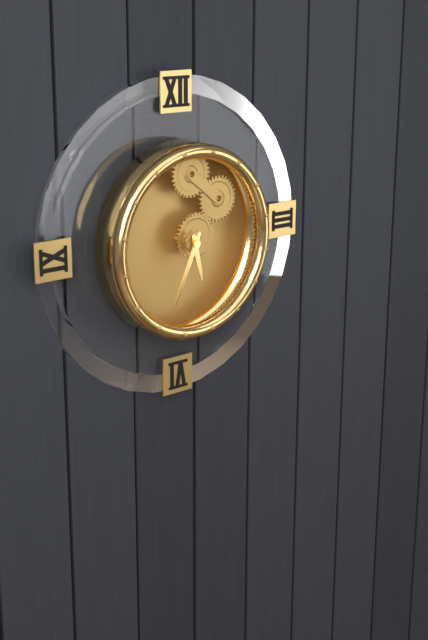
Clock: 5:34
